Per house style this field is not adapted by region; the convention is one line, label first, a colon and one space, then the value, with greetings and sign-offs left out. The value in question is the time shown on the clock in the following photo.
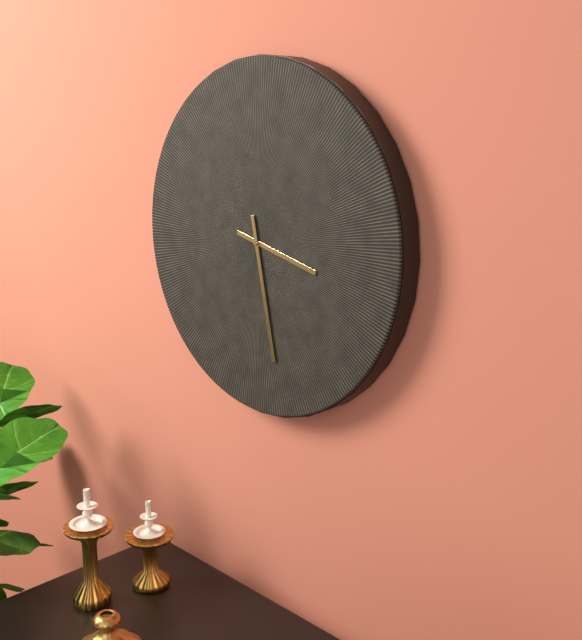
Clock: 3:28
